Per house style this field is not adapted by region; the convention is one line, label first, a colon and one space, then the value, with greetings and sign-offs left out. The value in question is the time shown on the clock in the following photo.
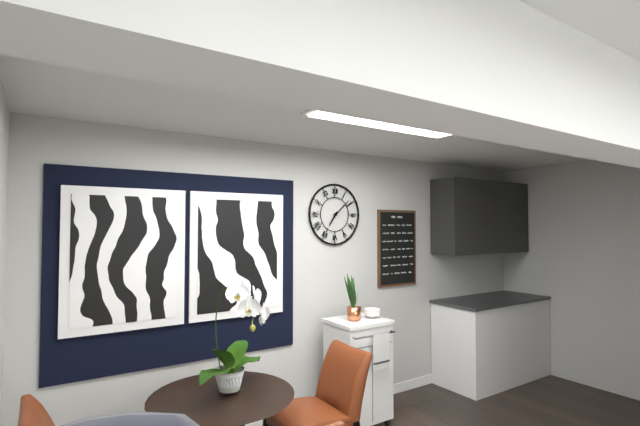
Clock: 7:08
